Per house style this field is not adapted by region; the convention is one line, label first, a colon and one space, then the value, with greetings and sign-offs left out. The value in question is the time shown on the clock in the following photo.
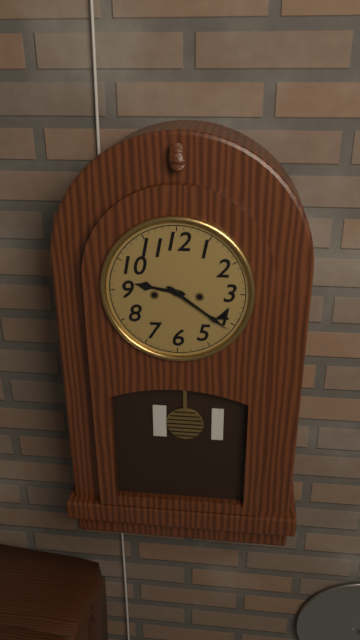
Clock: 9:21
